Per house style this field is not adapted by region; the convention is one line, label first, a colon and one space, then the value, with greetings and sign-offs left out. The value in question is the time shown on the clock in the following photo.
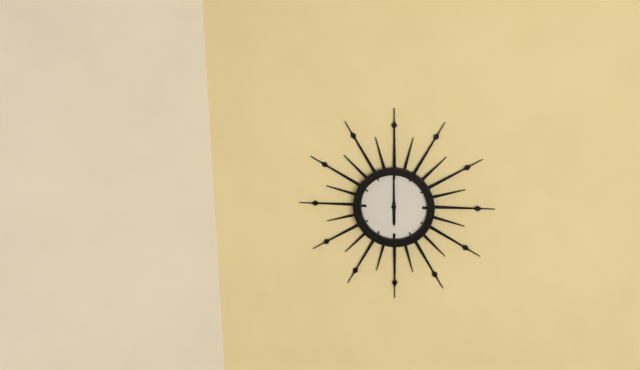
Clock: 6:00
